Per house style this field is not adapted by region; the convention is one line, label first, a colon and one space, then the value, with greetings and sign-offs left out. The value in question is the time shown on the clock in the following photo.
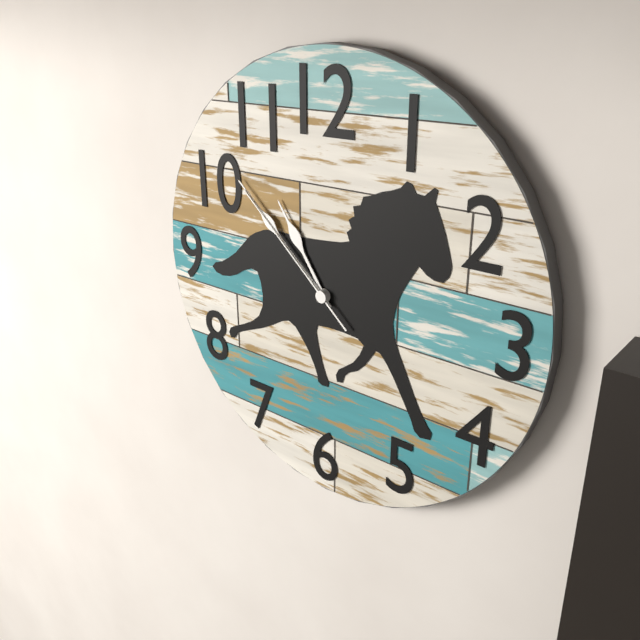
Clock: 10:52:52
